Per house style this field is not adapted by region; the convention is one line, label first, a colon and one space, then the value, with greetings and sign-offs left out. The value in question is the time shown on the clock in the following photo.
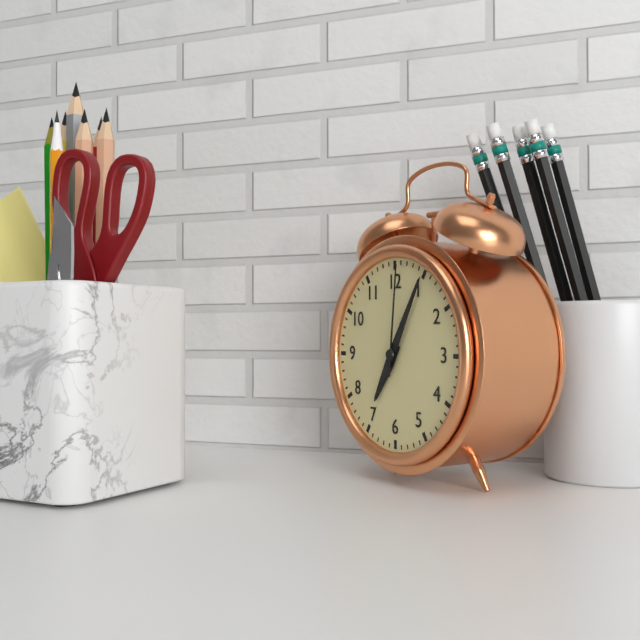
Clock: 7:05:01
